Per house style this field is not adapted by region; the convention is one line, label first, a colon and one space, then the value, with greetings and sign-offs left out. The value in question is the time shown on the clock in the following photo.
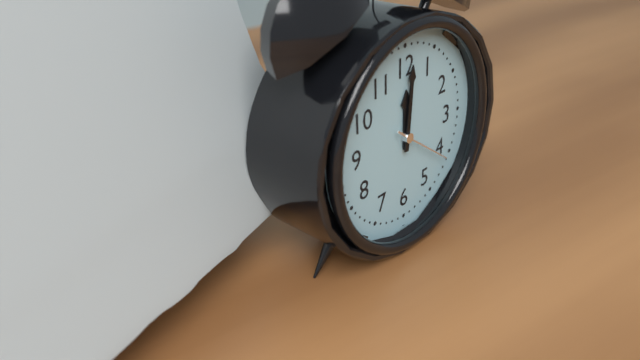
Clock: 12:01:21
